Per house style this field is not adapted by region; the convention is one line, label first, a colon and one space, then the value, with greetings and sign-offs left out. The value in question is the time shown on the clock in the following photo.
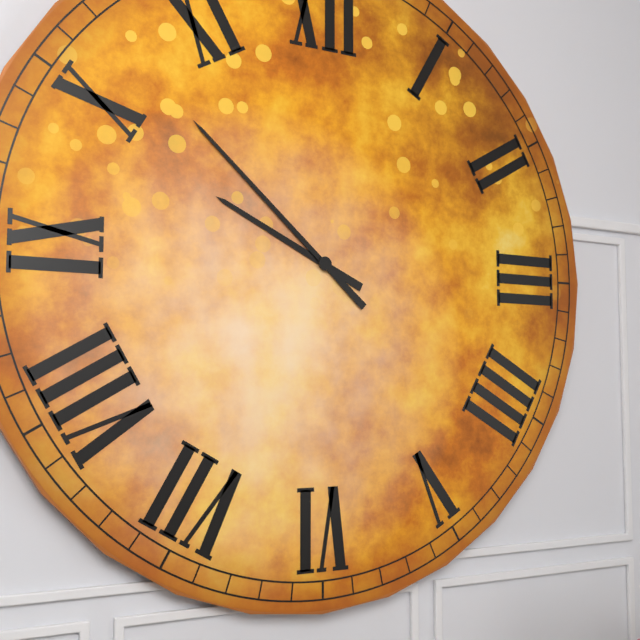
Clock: 9:52
